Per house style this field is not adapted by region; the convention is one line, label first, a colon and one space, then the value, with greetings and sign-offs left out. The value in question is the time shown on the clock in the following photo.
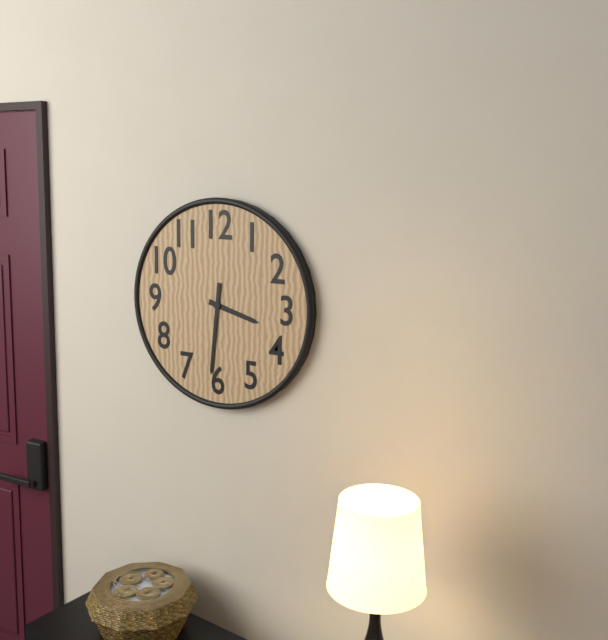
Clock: 3:31
